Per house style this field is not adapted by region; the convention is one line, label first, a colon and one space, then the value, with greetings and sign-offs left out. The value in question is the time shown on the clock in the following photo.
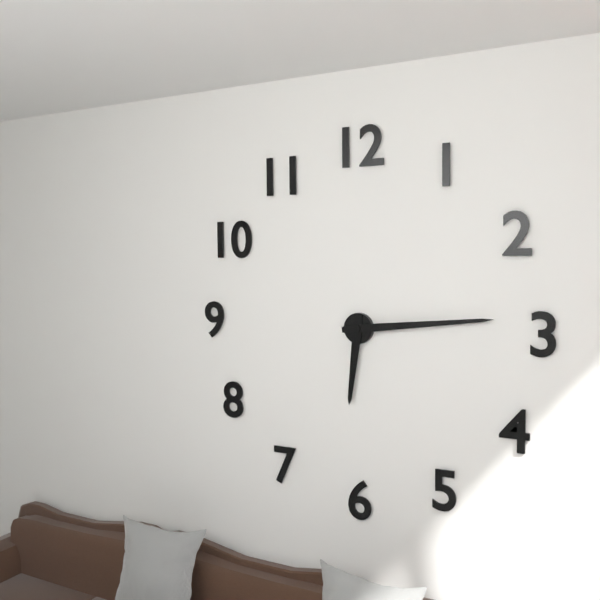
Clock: 6:14
